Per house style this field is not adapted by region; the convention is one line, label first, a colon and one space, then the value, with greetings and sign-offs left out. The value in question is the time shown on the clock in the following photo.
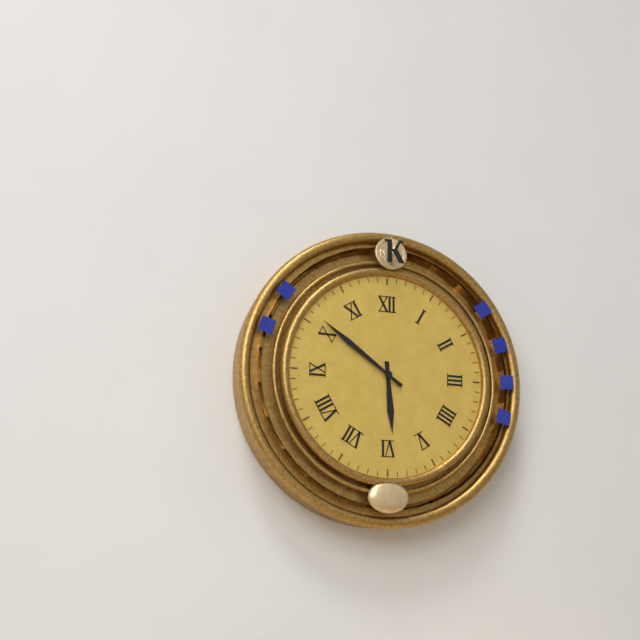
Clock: 5:51
